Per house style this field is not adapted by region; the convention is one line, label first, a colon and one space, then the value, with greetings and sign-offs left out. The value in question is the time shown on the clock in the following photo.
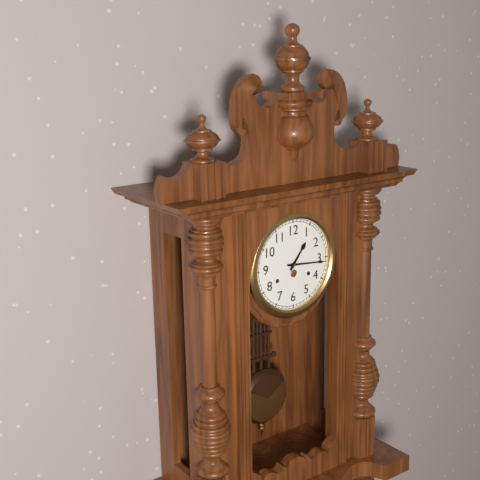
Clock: 1:16
